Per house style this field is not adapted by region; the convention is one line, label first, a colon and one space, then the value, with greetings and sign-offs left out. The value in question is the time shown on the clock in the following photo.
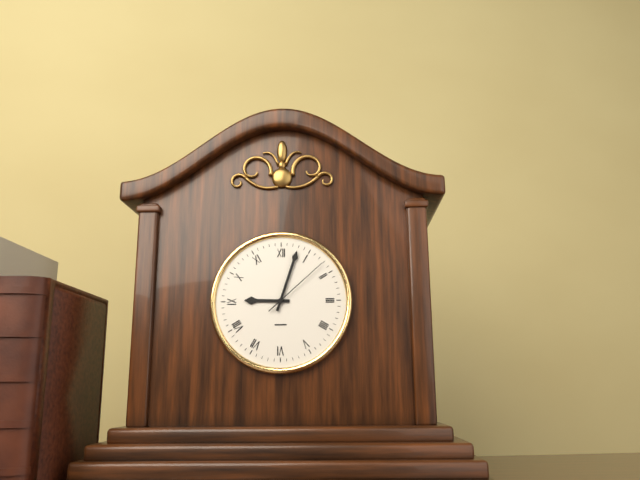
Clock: 9:03:08
